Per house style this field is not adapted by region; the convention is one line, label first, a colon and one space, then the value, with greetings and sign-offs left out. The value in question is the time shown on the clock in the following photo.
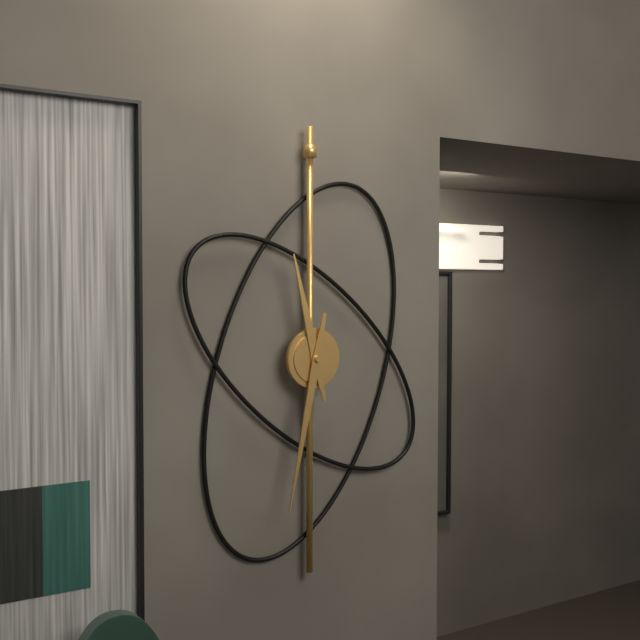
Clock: 11:32
